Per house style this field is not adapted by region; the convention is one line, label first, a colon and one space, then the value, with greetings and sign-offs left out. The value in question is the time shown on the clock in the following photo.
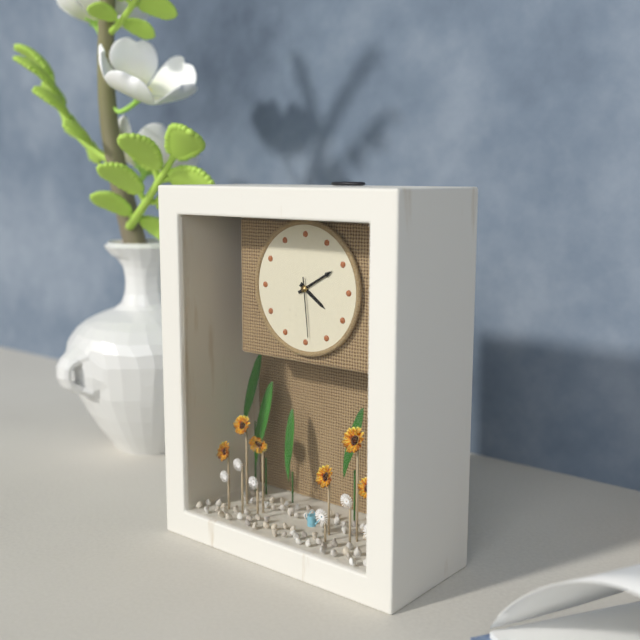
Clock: 4:10:29
